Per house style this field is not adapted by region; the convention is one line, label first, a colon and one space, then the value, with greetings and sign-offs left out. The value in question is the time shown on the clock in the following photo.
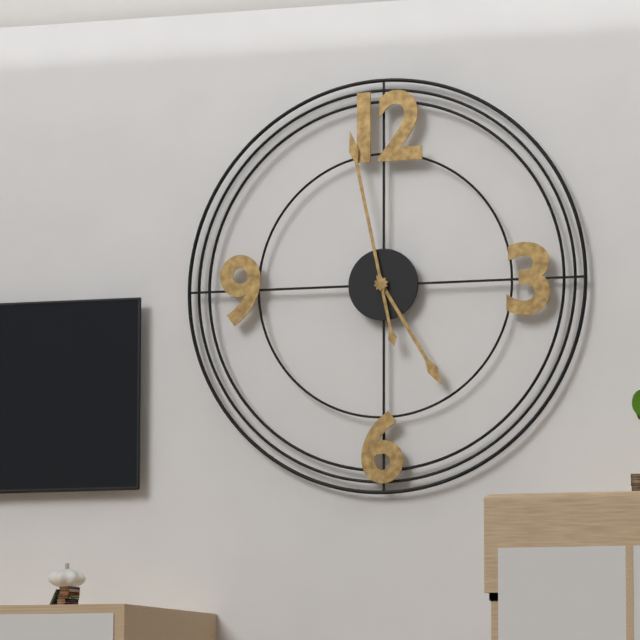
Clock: 4:58
